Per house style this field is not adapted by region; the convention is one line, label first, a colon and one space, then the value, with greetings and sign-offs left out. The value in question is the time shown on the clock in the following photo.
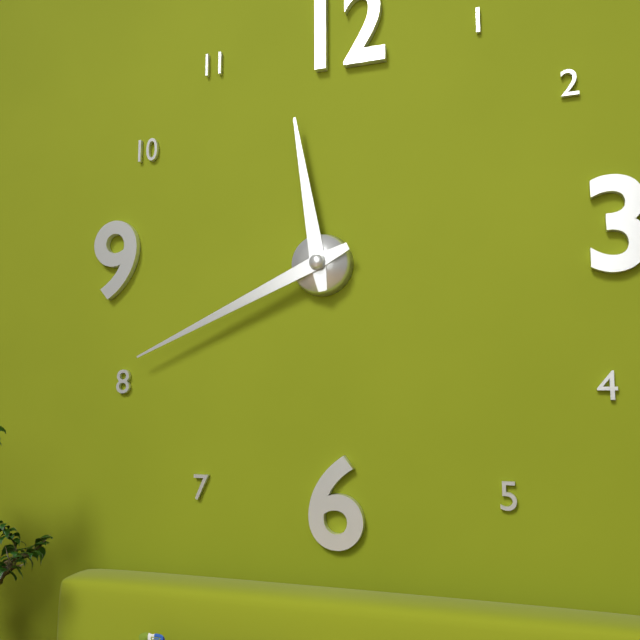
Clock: 11:41
